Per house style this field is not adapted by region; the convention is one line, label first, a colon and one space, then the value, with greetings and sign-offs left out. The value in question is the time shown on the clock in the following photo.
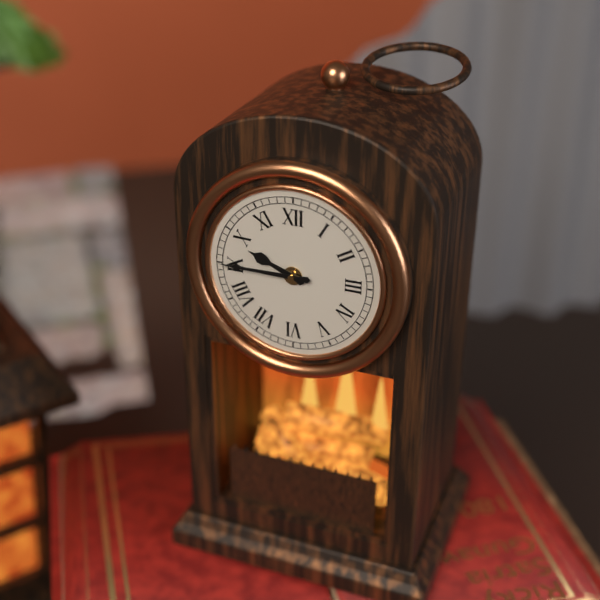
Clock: 9:45
